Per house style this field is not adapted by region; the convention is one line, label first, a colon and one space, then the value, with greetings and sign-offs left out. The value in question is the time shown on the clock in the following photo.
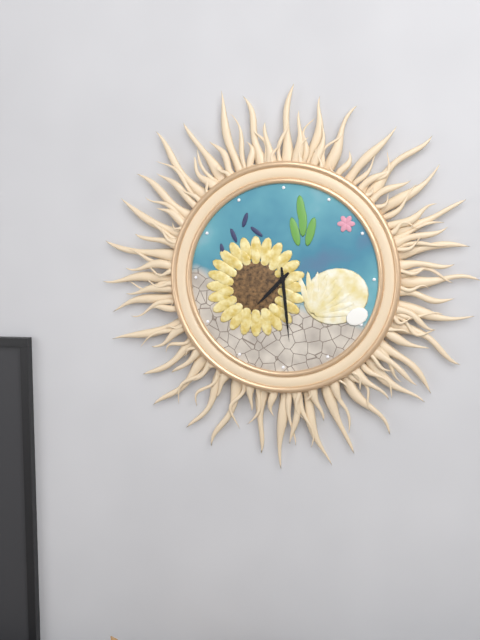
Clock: 7:29
